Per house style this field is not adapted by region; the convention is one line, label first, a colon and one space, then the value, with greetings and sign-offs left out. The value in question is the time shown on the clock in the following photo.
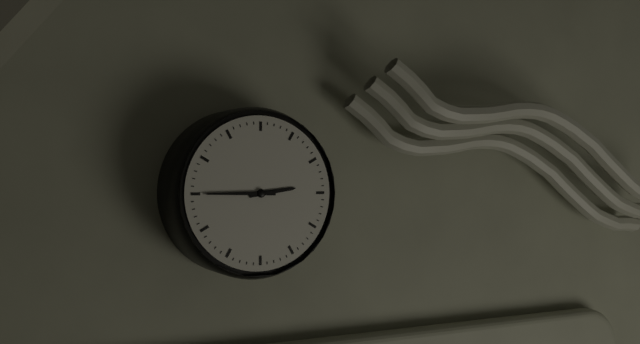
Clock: 2:45
